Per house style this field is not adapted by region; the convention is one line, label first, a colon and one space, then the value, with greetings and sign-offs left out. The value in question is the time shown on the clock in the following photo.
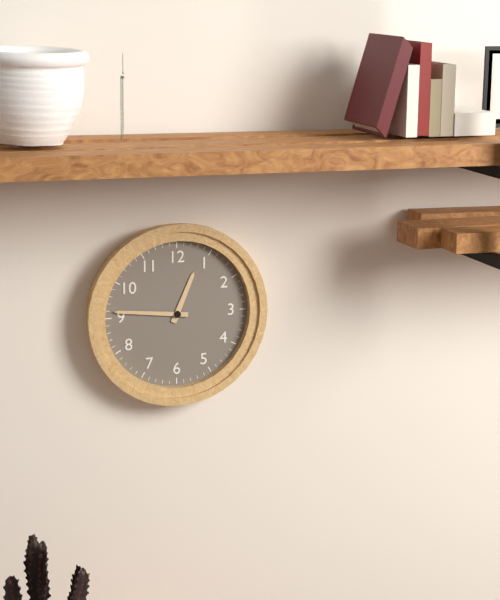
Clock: 12:46
